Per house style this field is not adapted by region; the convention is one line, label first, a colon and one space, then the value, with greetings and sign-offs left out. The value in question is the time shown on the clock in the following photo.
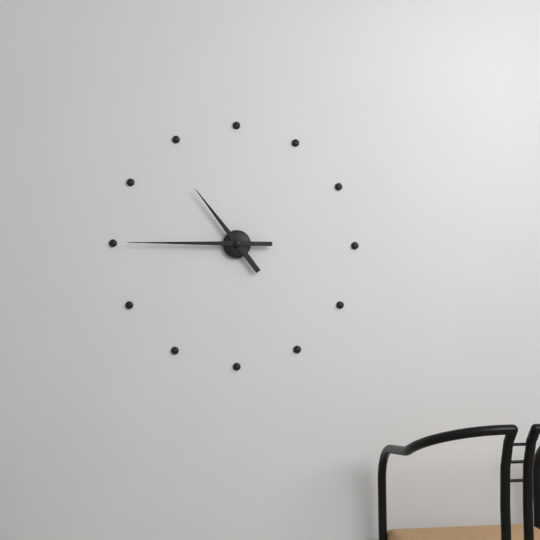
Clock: 10:45
